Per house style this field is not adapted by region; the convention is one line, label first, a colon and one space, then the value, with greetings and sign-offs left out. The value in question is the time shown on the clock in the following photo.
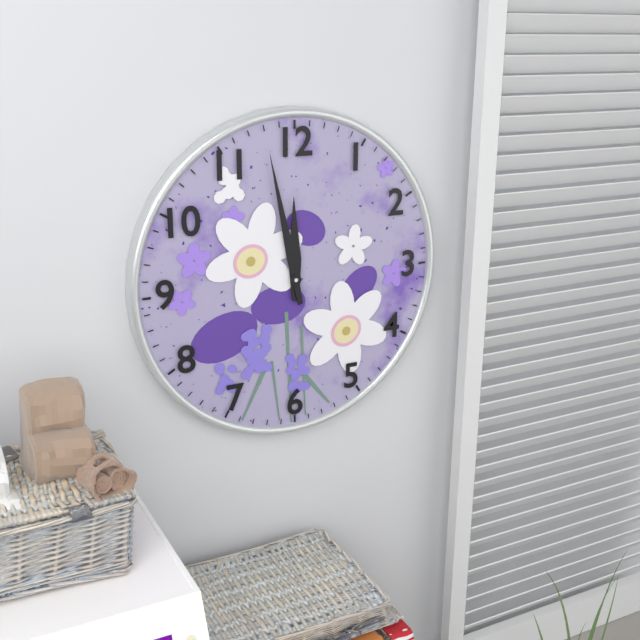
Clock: 11:58
